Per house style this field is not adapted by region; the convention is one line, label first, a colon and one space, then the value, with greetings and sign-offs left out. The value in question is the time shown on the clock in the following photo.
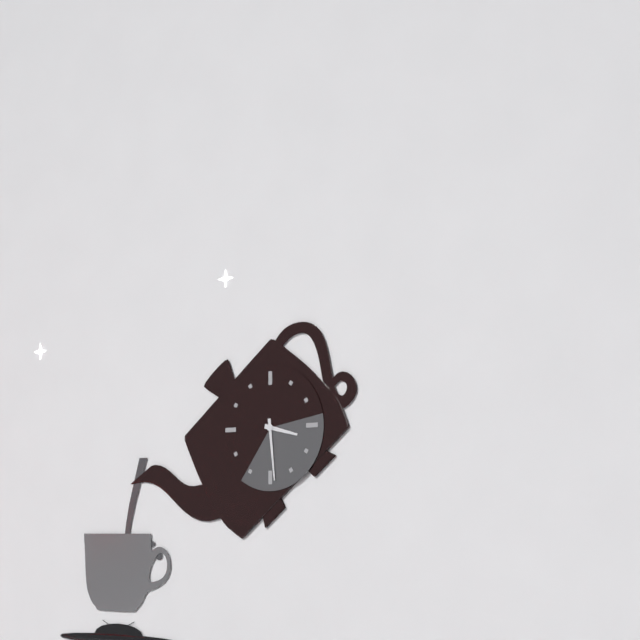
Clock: 3:29
